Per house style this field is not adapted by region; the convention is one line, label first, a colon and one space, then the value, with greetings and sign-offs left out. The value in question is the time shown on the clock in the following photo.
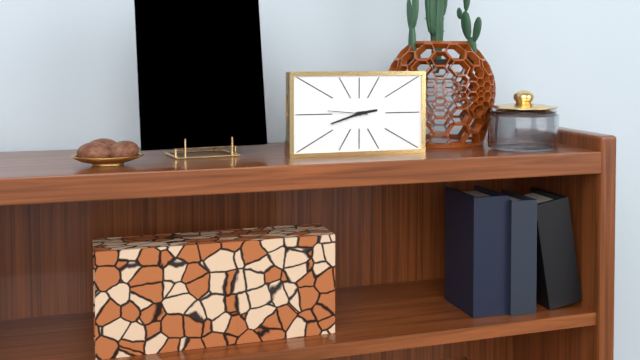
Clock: 2:42
